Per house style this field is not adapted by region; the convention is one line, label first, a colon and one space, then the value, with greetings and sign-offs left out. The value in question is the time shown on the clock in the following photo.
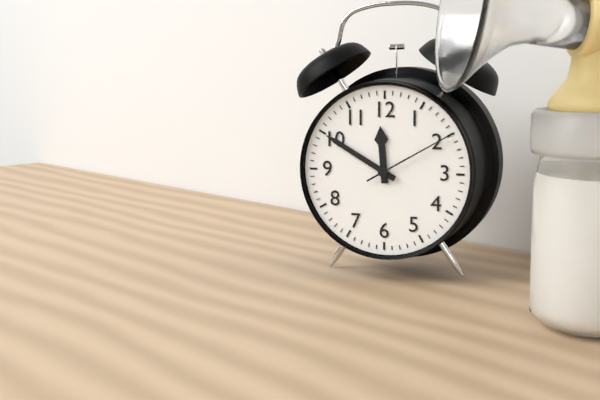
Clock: 11:50:10
